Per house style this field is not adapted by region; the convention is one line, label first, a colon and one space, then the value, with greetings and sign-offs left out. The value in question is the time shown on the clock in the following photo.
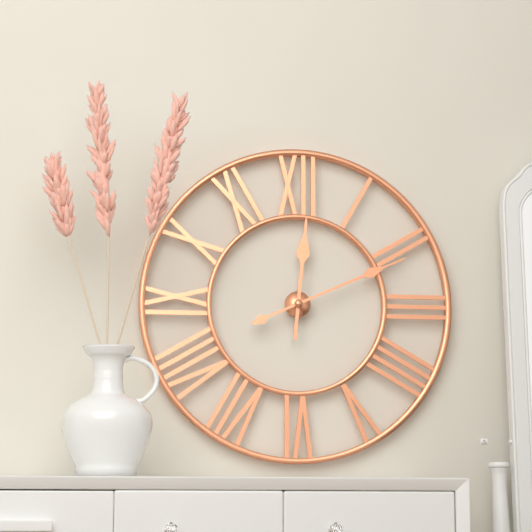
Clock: 12:11
